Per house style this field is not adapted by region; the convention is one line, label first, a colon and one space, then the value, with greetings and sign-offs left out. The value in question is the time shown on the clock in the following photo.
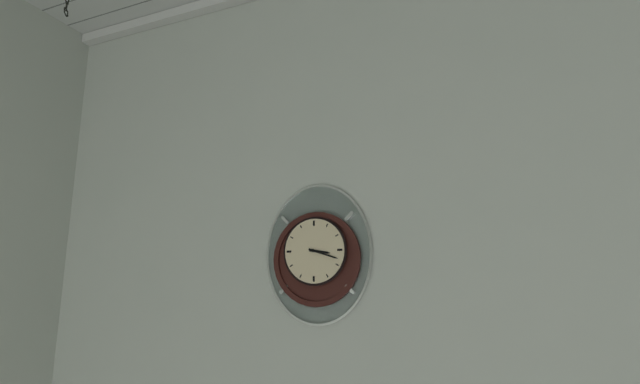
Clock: 3:18
